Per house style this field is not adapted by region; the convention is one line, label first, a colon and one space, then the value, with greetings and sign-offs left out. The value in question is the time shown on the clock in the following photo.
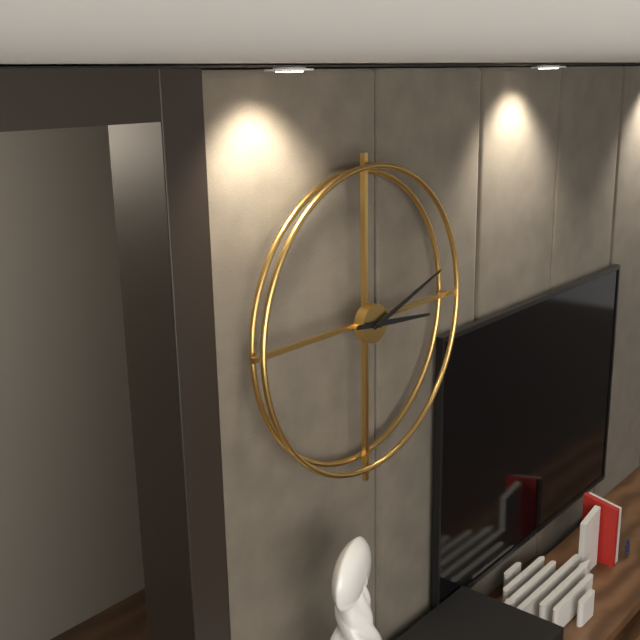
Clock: 3:12
